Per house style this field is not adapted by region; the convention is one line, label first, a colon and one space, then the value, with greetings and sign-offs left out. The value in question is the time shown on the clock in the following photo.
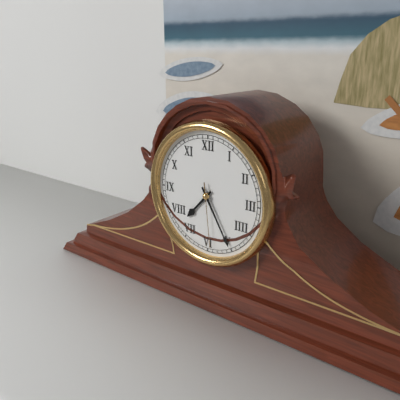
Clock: 7:25:29
